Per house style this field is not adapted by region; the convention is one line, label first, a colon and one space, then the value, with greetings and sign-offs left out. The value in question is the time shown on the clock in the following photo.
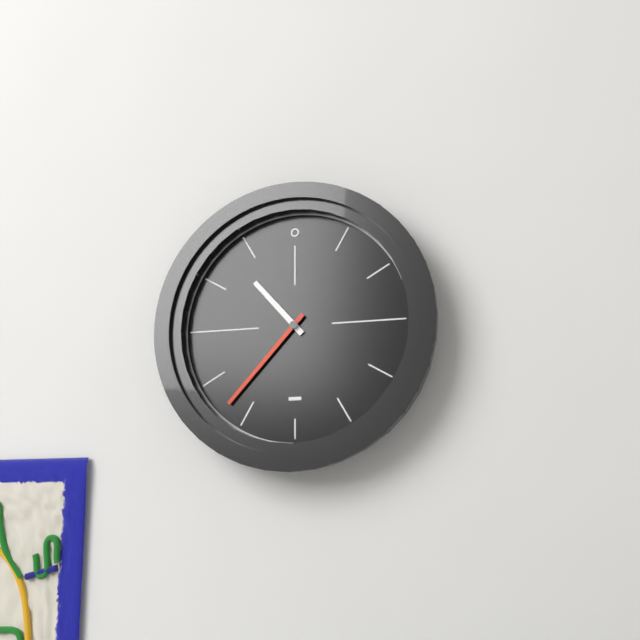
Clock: 10:37
